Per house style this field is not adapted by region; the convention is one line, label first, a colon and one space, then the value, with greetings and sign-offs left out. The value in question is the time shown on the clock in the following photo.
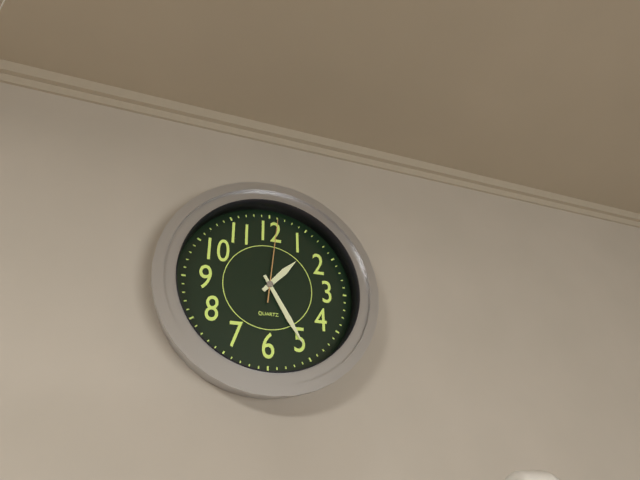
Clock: 1:25:01
